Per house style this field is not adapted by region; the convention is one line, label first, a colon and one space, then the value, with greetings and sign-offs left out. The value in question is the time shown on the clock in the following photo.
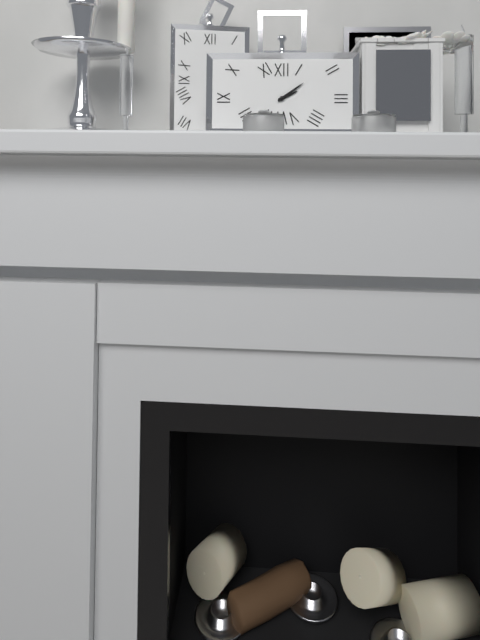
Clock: 2:09
